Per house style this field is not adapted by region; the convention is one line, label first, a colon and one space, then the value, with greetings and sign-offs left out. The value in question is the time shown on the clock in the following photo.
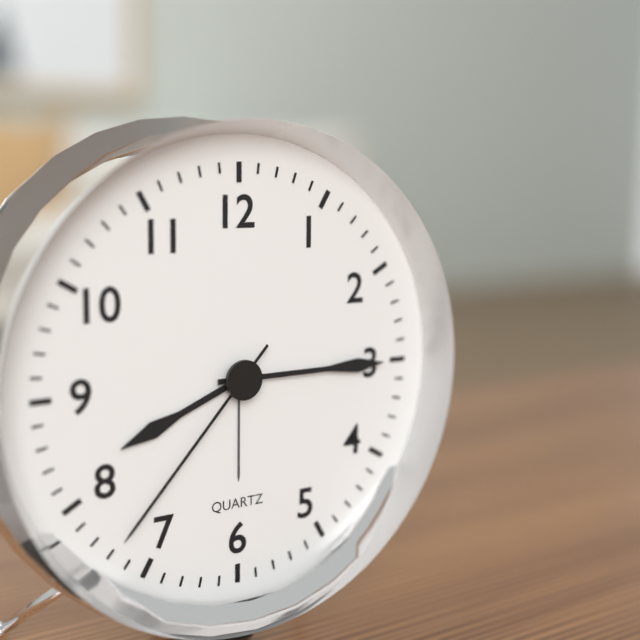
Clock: 8:15:37
